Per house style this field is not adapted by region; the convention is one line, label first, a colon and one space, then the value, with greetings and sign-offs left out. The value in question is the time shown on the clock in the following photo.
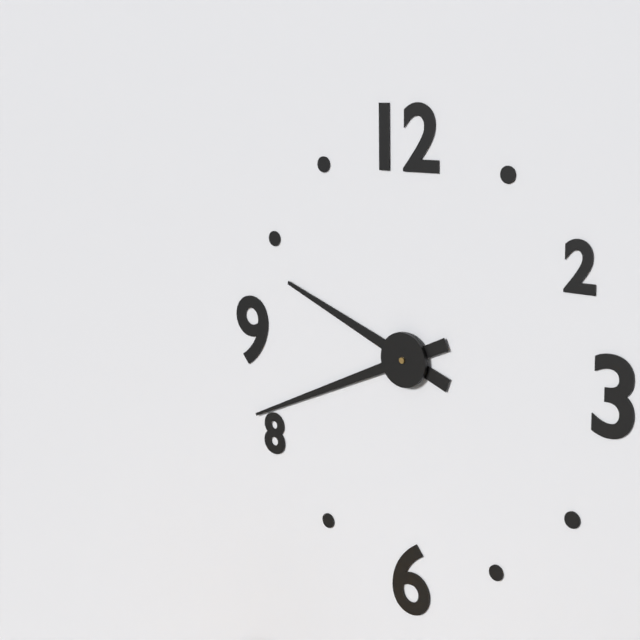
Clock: 9:41
